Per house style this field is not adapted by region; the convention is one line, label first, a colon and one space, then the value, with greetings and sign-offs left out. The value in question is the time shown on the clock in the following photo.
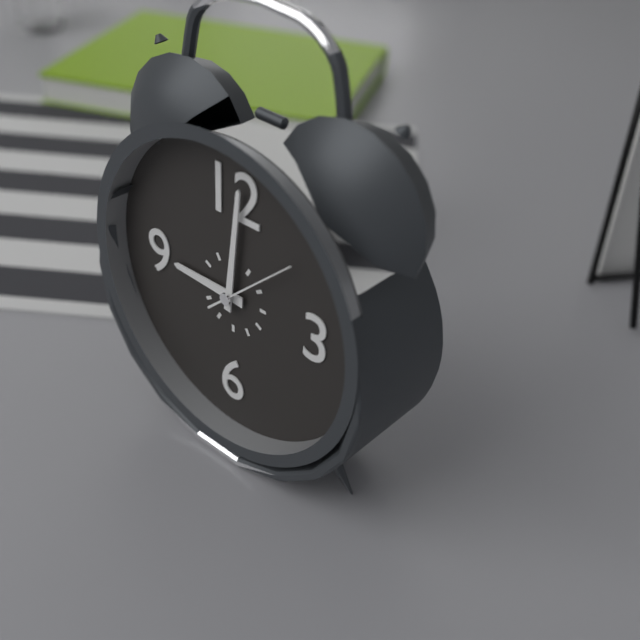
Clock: 9:01:08
